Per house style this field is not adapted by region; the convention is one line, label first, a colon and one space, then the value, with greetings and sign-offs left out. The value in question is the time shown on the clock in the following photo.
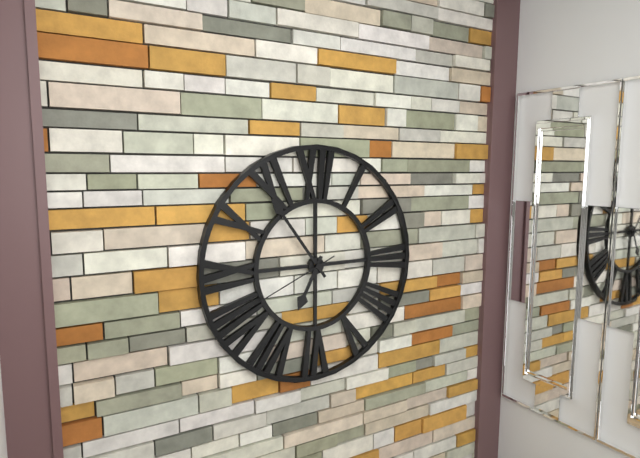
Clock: 6:54:41
